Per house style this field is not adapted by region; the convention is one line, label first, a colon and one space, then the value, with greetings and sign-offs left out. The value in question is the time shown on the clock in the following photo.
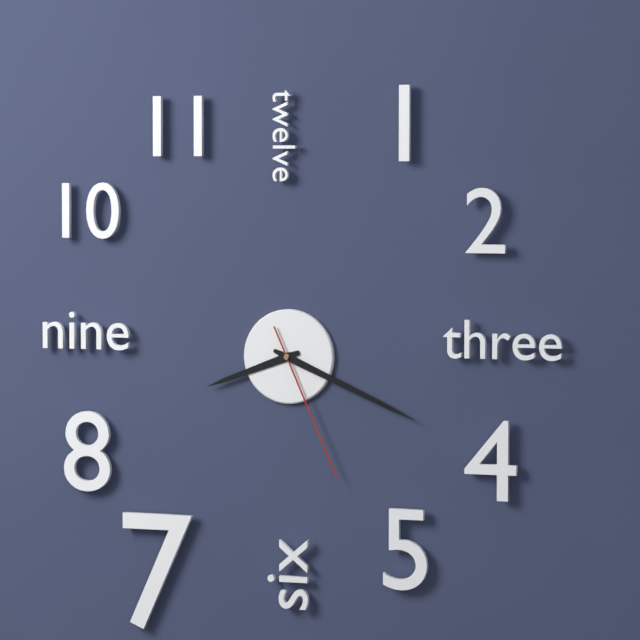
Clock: 8:19:26
